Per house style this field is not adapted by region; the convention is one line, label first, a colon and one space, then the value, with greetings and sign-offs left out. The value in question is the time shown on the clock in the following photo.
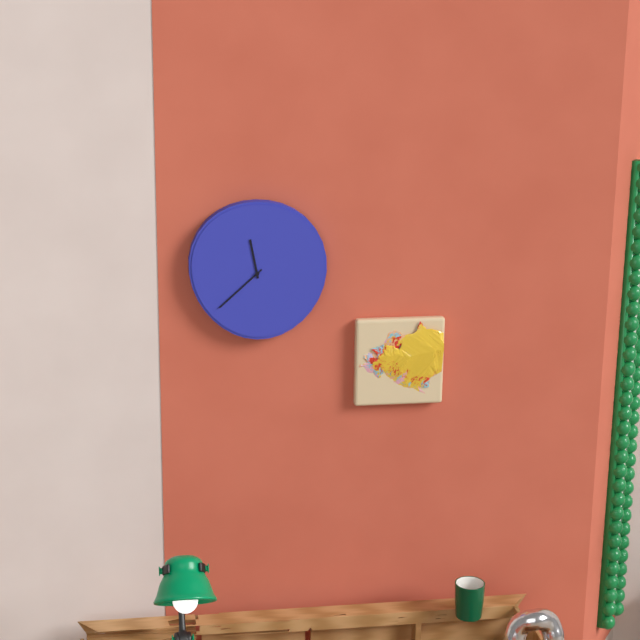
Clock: 11:38
